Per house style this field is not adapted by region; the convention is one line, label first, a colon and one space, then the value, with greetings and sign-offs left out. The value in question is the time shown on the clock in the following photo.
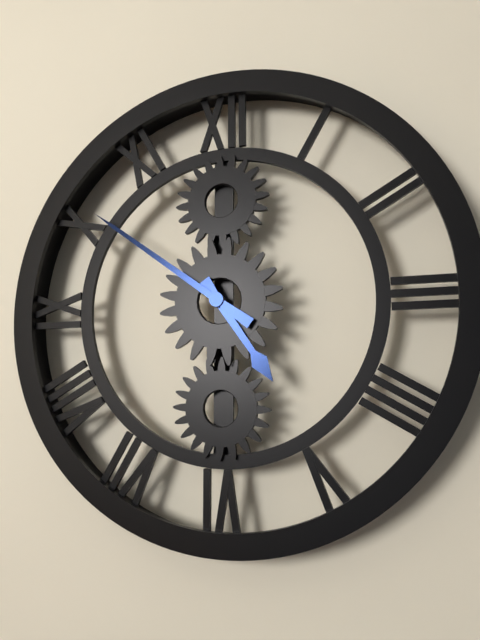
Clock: 4:51
